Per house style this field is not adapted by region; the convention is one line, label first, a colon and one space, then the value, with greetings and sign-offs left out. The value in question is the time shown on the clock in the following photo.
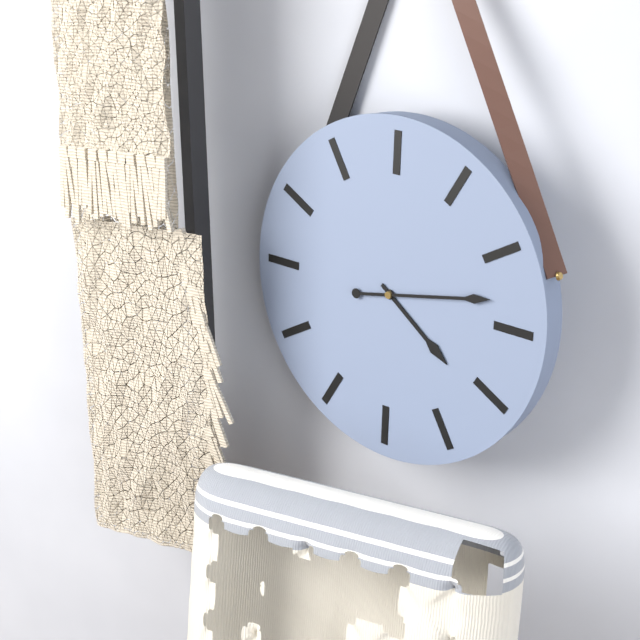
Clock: 4:13
